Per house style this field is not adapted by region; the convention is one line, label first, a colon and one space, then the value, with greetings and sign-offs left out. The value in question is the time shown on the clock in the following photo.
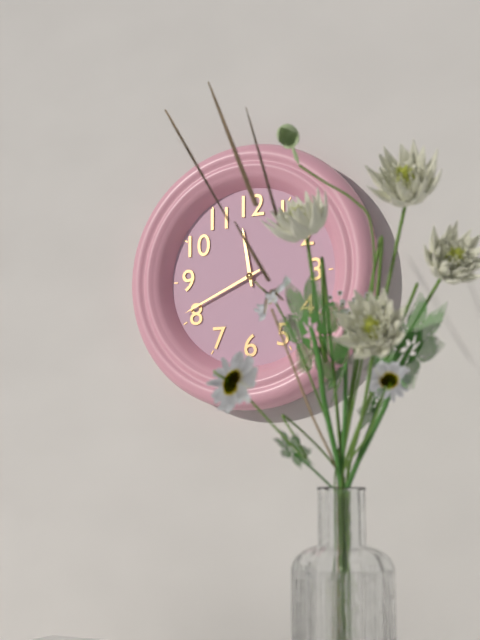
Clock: 11:41
